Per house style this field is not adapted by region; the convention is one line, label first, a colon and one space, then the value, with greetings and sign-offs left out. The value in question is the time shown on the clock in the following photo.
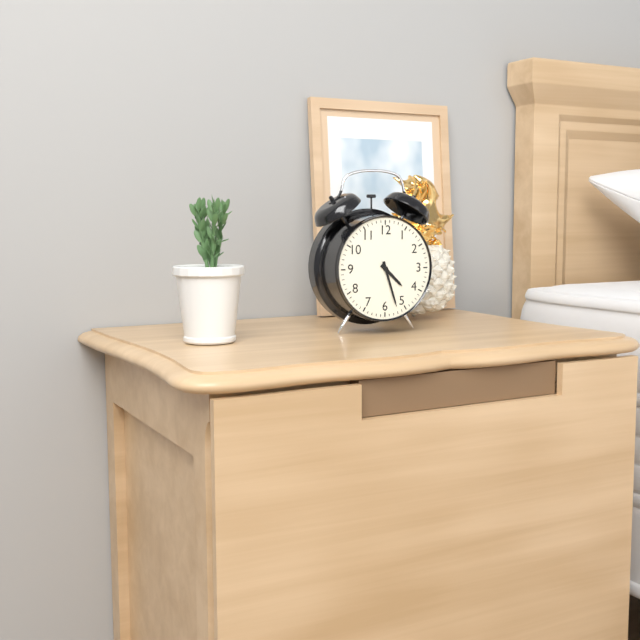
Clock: 4:27
